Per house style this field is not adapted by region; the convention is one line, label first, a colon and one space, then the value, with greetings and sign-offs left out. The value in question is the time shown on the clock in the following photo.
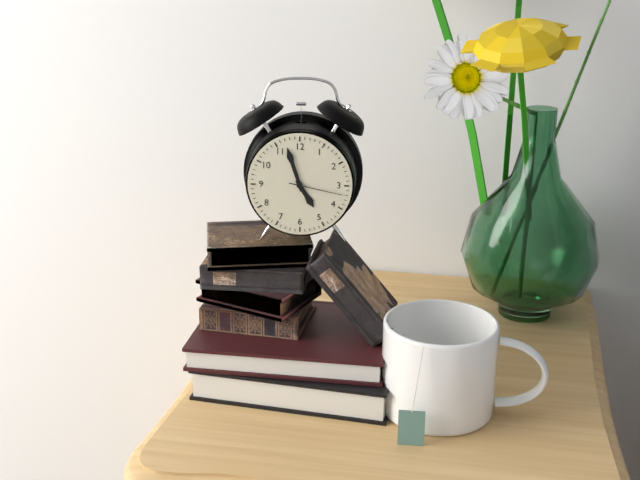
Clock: 4:57:17
